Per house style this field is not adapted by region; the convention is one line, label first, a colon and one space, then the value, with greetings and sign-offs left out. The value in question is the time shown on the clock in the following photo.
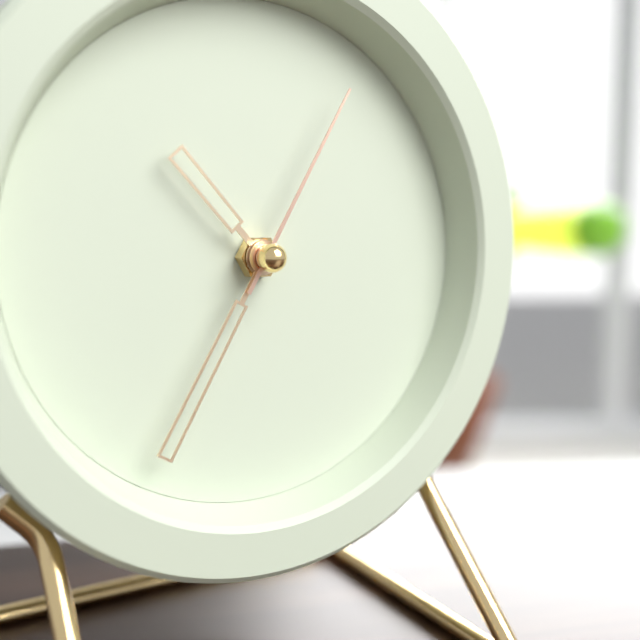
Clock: 10:35:05
